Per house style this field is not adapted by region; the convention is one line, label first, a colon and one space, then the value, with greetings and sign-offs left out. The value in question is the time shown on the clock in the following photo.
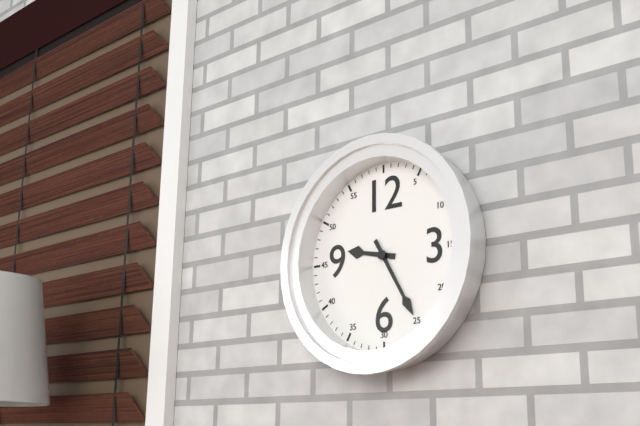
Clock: 9:25
